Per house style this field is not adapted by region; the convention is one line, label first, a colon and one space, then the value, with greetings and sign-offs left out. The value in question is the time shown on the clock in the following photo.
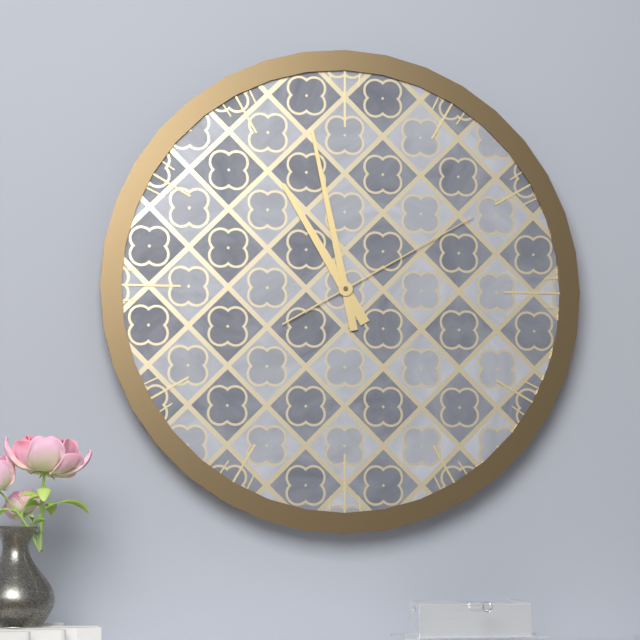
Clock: 10:58:10
